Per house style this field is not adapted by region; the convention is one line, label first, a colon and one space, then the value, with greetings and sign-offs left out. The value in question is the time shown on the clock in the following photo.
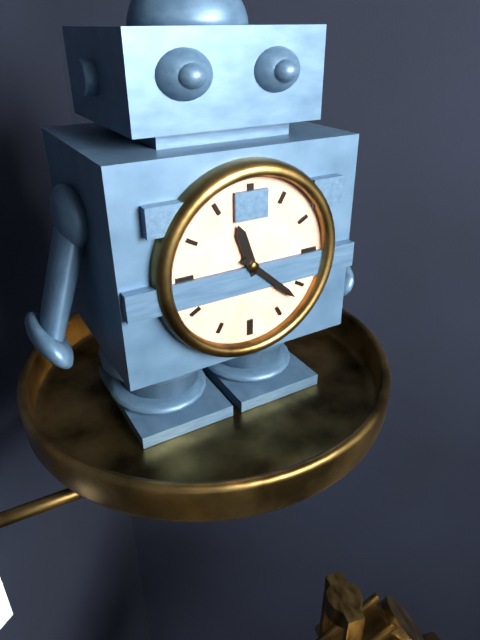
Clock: 11:22
